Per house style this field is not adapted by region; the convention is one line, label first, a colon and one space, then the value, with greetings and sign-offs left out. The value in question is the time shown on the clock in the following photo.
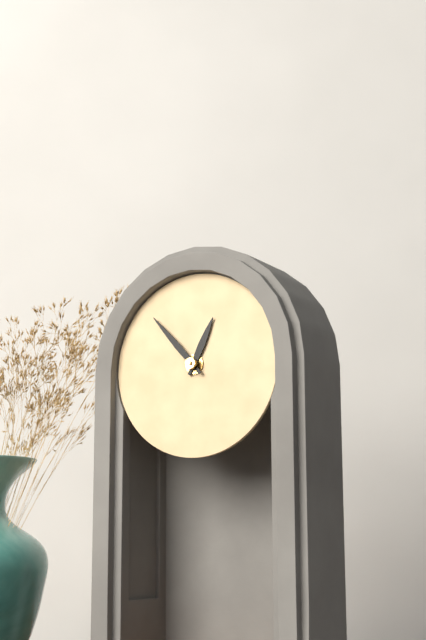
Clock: 12:53
